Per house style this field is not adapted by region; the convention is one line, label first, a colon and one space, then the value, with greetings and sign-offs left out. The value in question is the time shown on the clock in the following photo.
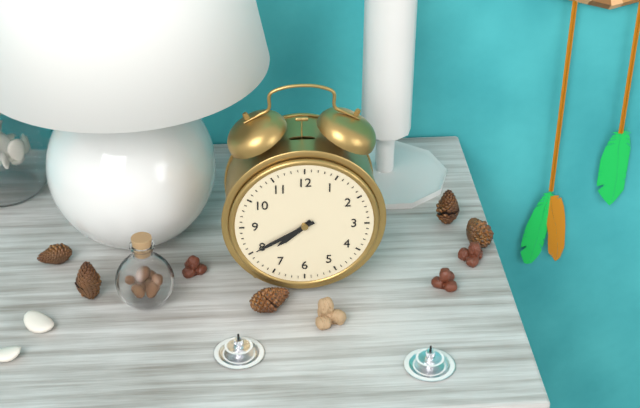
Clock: 7:40
